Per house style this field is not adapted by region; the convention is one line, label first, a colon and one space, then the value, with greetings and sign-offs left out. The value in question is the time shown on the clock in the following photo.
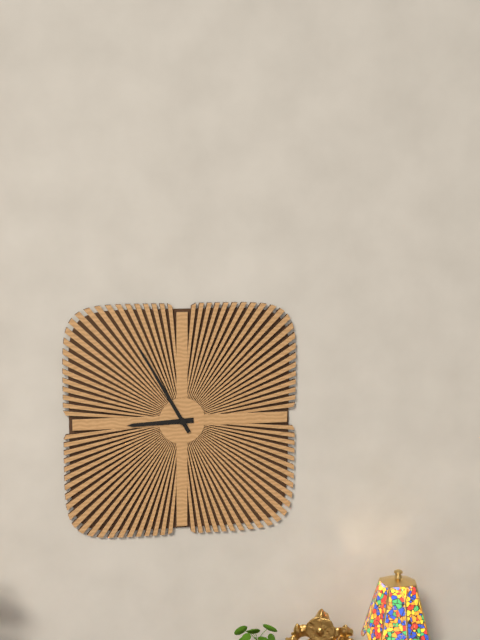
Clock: 8:55
